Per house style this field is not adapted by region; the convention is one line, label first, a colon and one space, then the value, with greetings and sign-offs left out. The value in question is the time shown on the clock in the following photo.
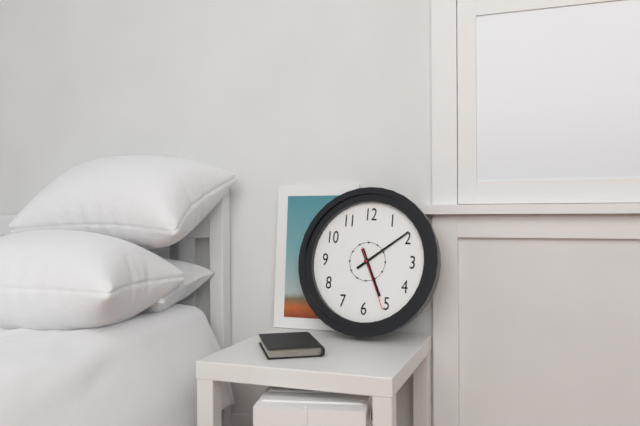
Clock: 5:09:26
